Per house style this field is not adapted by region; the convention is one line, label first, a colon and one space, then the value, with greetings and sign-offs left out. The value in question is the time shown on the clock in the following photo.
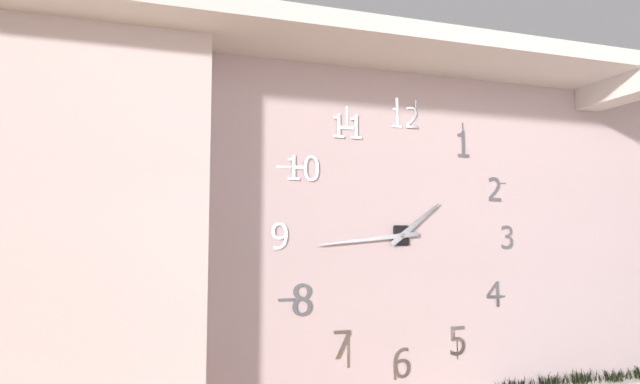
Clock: 1:44
